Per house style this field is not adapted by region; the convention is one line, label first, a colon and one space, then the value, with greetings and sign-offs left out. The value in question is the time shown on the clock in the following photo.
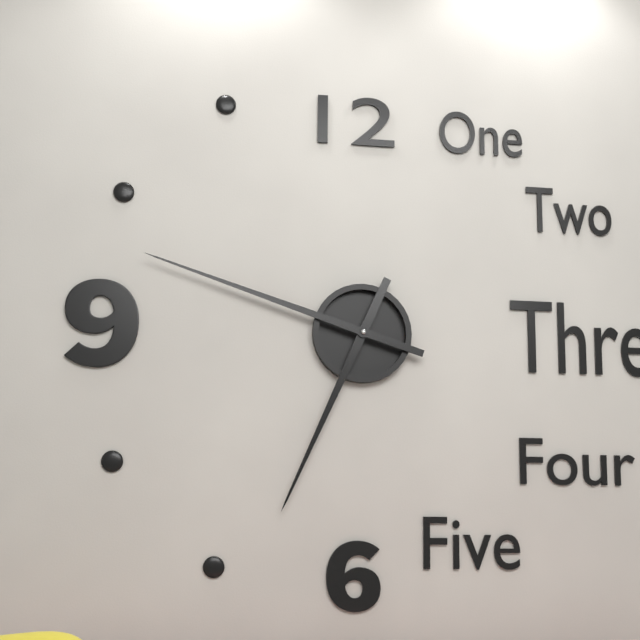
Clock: 6:48
